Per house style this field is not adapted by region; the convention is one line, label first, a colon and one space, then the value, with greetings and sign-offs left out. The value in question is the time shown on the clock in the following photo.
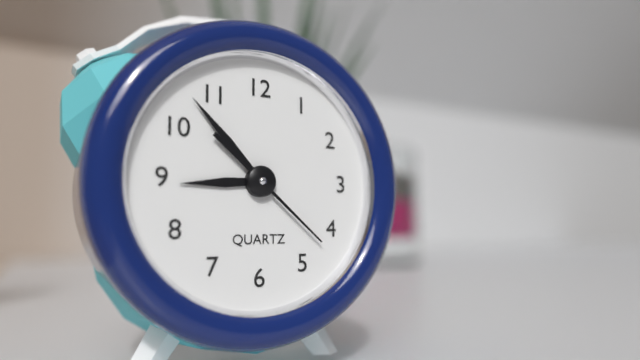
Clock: 8:53:22
